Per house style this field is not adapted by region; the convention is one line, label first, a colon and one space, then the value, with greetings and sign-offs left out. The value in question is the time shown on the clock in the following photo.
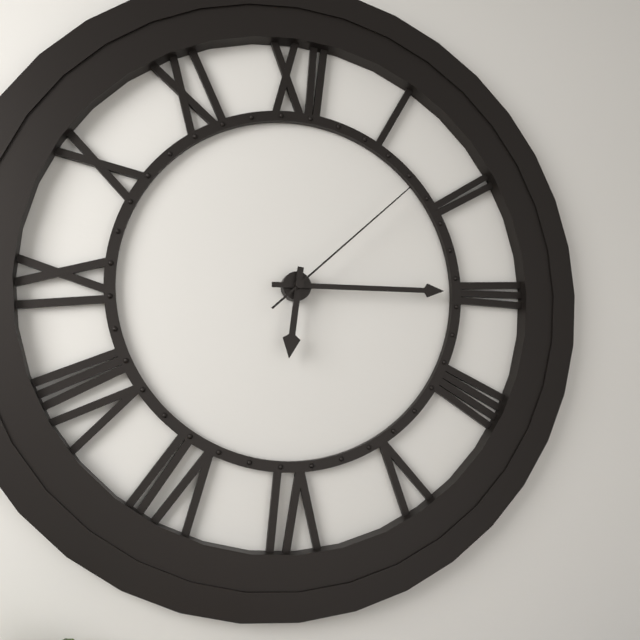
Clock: 6:15:08
